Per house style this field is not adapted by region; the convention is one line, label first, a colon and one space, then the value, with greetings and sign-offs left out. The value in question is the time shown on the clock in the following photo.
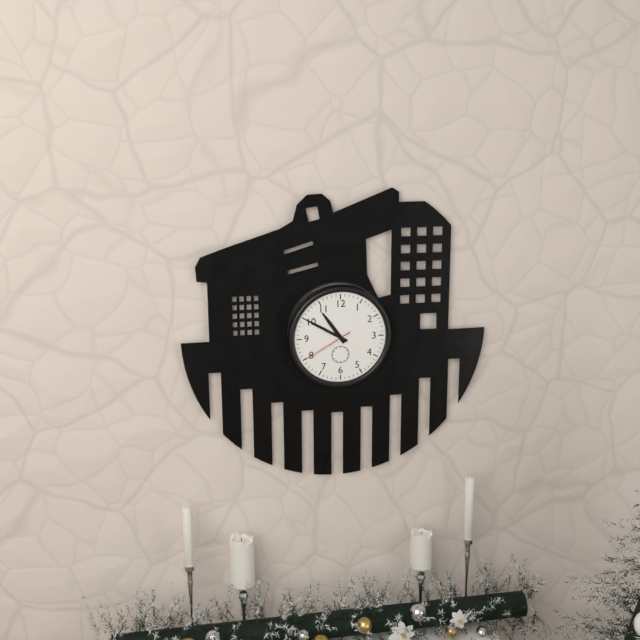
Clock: 10:50
